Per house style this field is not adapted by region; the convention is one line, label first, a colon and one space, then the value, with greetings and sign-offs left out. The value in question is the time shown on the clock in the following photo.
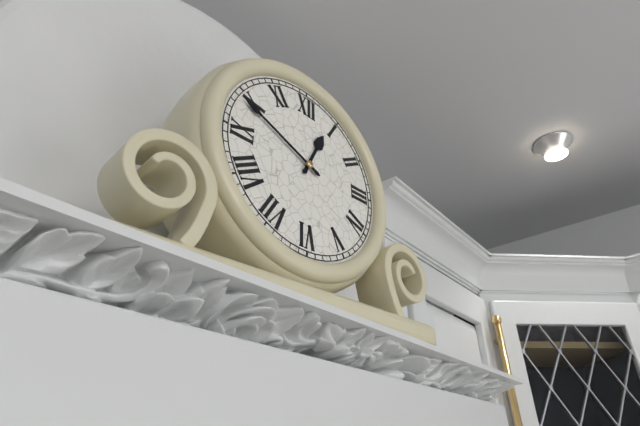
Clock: 12:49
